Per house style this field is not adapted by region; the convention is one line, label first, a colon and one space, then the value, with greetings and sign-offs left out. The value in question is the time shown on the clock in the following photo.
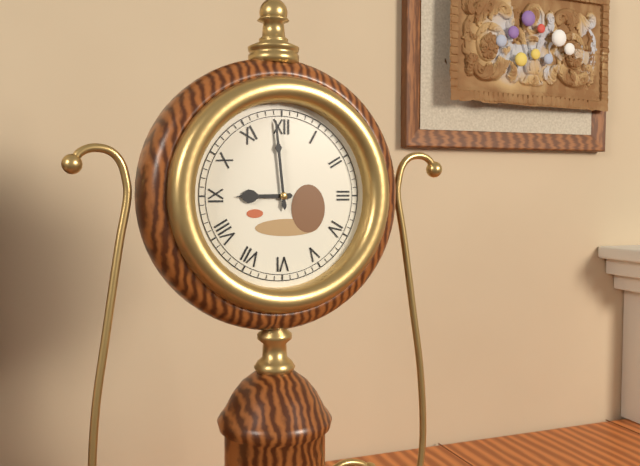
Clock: 8:59
